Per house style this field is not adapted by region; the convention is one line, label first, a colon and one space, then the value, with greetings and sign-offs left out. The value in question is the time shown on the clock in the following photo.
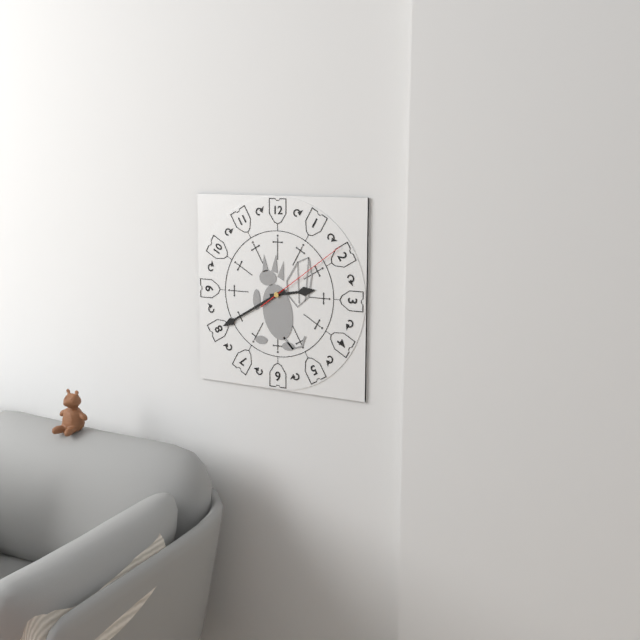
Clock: 2:40:09
